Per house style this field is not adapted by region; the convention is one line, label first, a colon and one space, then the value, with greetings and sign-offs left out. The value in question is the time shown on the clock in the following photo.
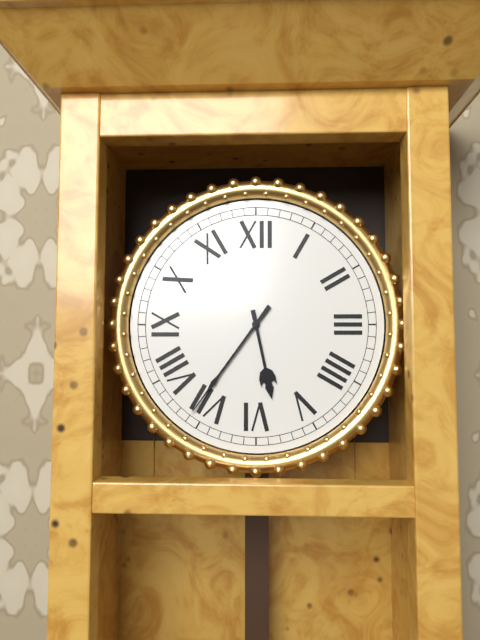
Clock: 5:36
